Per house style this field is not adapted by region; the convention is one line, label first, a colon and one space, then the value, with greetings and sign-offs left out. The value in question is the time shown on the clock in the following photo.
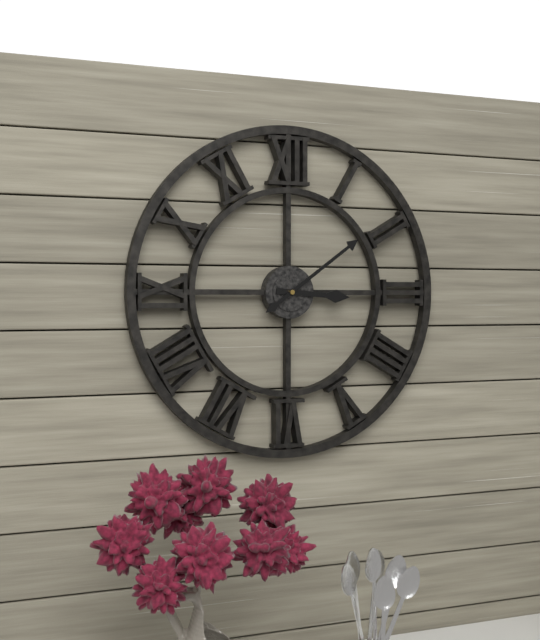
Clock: 3:09
